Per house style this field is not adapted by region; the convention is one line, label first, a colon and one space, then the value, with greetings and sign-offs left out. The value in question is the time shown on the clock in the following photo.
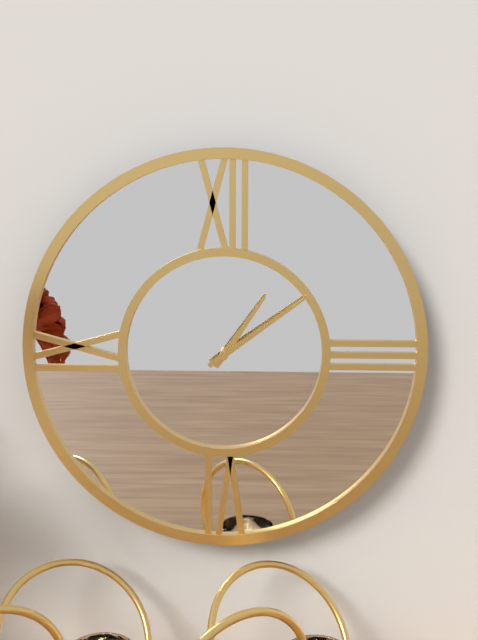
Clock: 1:09
